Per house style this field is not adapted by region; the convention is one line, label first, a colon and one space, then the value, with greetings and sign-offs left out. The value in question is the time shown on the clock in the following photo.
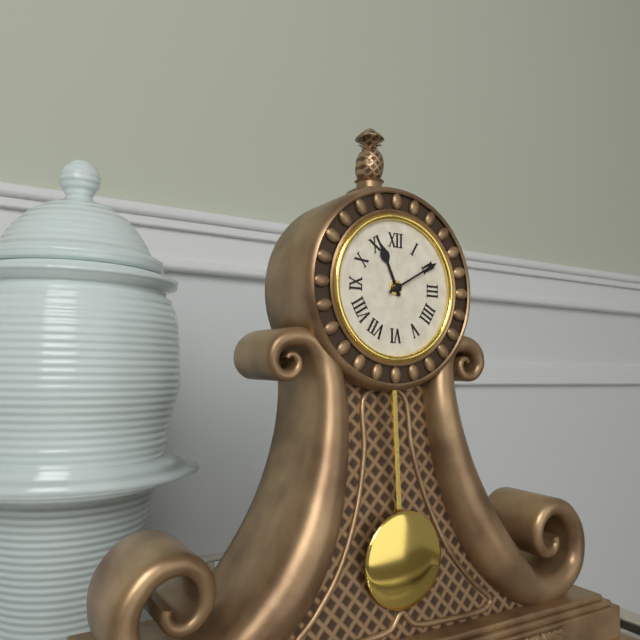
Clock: 11:10
